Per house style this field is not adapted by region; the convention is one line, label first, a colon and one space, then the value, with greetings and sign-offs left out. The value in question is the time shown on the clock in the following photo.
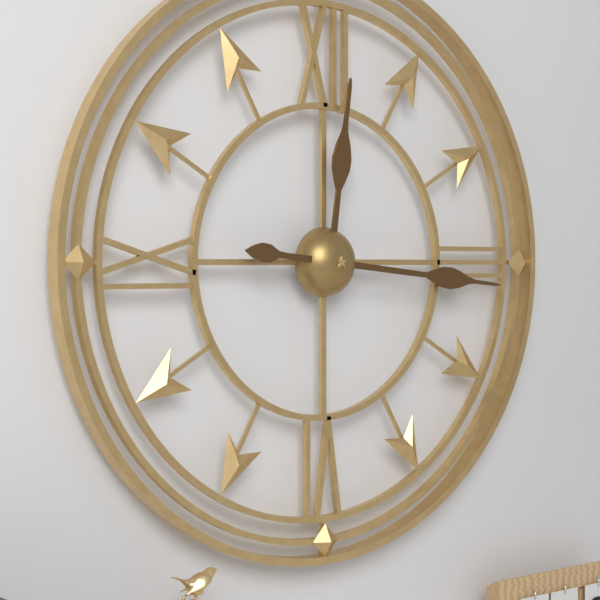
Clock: 12:16
